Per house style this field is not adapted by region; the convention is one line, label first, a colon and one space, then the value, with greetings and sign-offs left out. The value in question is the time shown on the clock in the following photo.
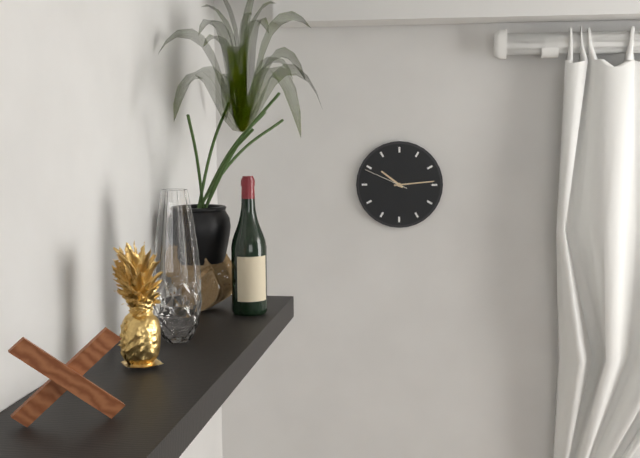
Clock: 10:14
